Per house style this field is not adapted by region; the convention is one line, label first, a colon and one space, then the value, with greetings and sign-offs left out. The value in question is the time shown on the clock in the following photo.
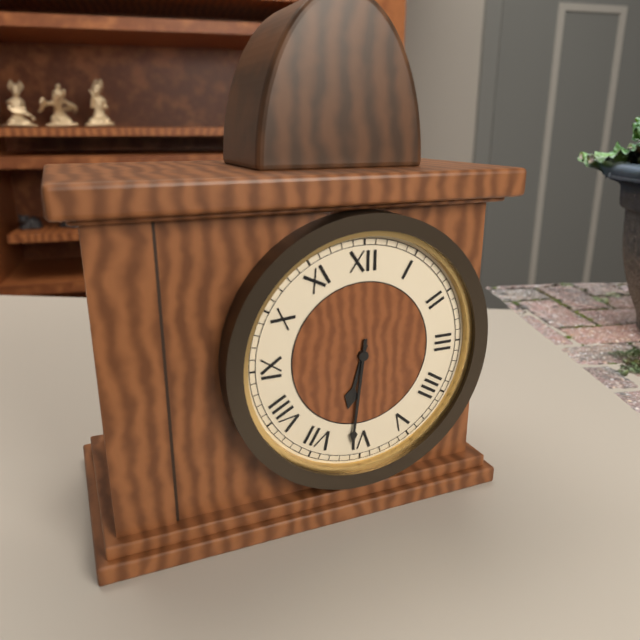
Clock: 6:31
